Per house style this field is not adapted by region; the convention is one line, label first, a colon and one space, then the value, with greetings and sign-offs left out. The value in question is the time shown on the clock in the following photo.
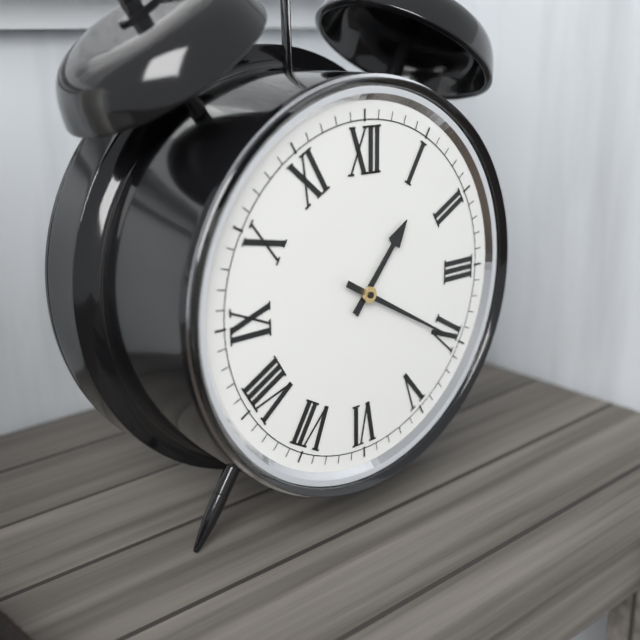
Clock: 1:20
